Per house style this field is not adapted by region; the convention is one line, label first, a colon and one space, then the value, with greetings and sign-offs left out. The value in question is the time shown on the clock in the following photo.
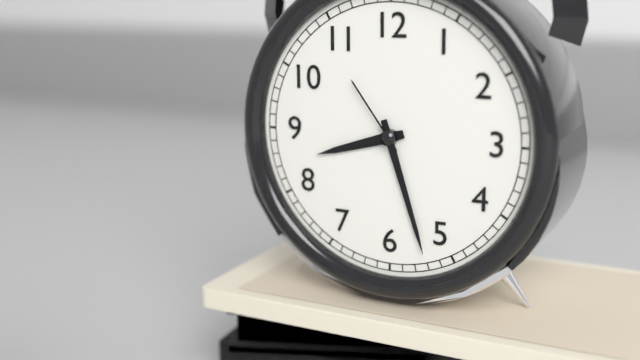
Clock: 8:27:54
